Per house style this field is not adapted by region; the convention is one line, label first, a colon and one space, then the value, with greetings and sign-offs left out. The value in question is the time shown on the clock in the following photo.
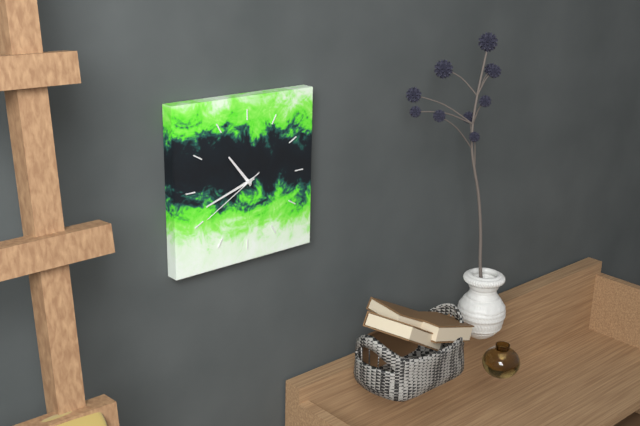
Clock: 10:42:40
